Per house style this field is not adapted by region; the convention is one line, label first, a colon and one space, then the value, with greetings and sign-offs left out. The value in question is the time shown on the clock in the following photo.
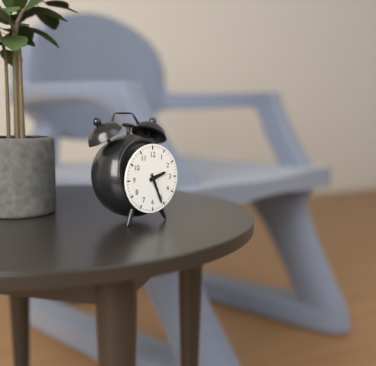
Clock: 2:26
